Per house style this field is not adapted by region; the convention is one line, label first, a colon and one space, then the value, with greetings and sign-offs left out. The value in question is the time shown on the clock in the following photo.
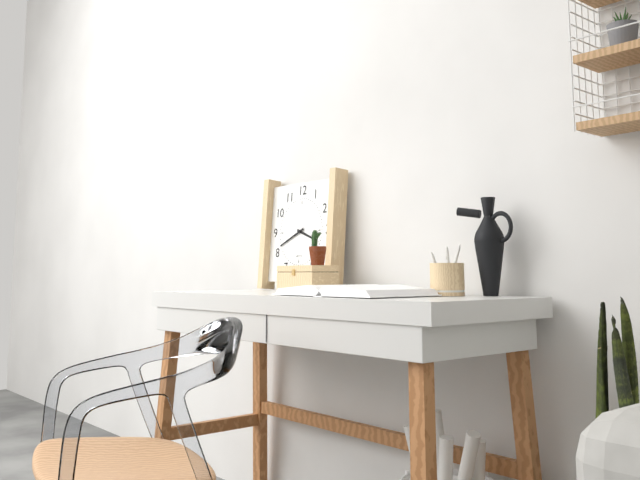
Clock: 3:41
